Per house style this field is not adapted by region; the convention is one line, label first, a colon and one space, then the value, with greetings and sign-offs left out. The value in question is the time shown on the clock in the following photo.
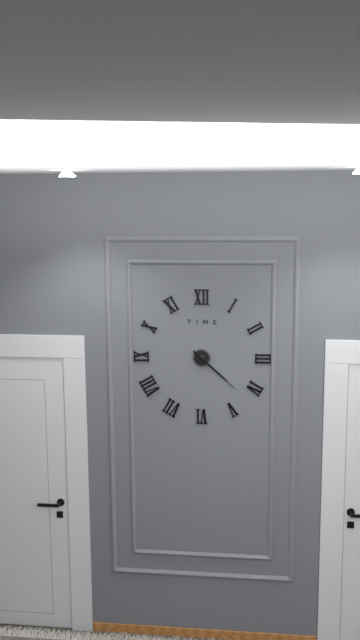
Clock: 4:22
